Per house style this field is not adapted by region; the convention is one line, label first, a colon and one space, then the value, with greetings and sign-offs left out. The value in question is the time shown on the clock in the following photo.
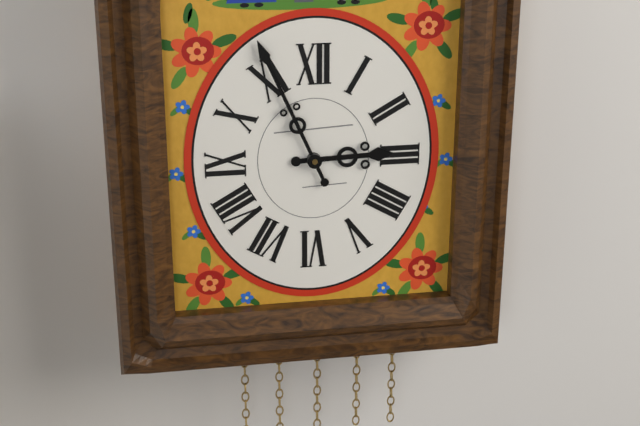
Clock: 2:56
